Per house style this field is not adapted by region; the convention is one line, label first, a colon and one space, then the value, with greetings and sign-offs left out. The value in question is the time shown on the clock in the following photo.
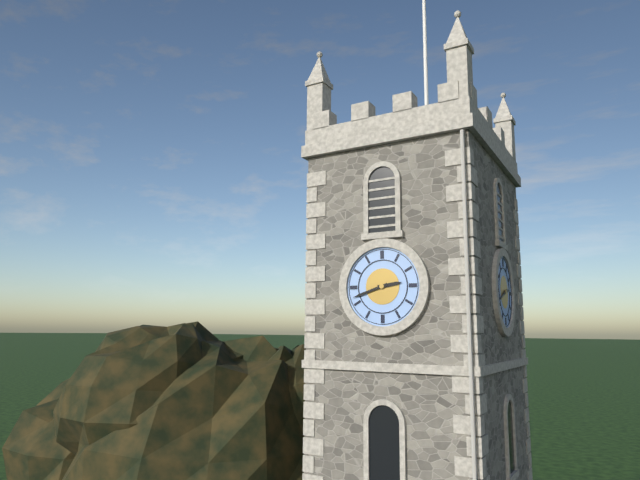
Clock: 2:42
